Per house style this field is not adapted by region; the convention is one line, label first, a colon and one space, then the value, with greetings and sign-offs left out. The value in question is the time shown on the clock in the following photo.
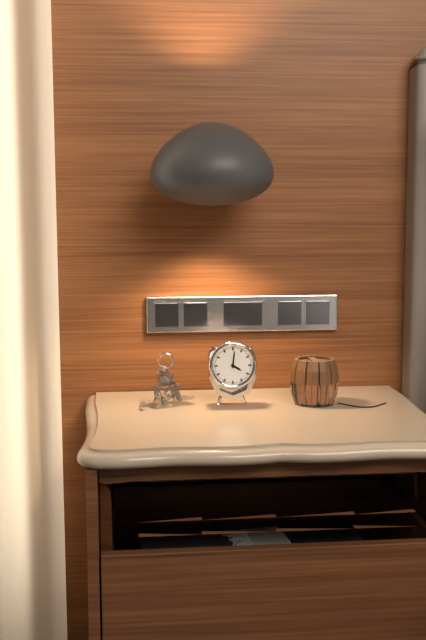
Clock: 4:01
